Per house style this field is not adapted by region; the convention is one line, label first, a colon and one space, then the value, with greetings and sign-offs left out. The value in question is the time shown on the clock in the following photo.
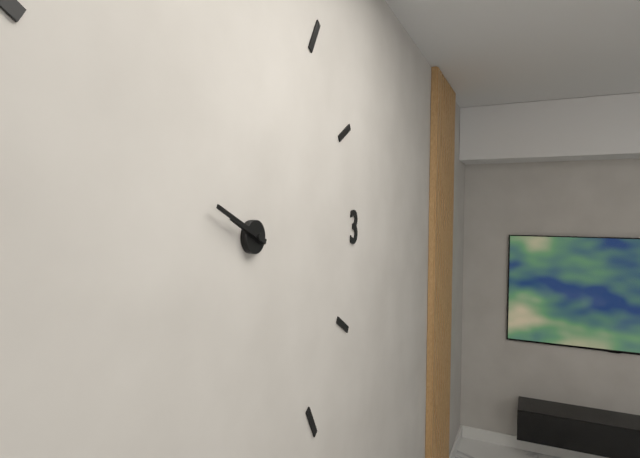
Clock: 9:49
